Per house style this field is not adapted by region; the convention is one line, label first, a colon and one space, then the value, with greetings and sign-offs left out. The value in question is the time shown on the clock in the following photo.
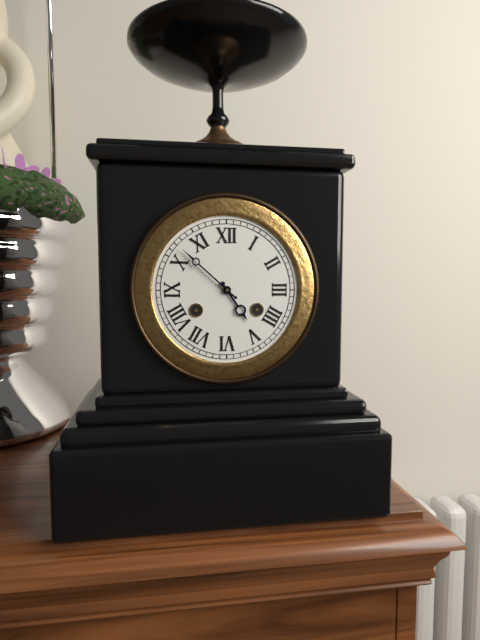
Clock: 4:52
